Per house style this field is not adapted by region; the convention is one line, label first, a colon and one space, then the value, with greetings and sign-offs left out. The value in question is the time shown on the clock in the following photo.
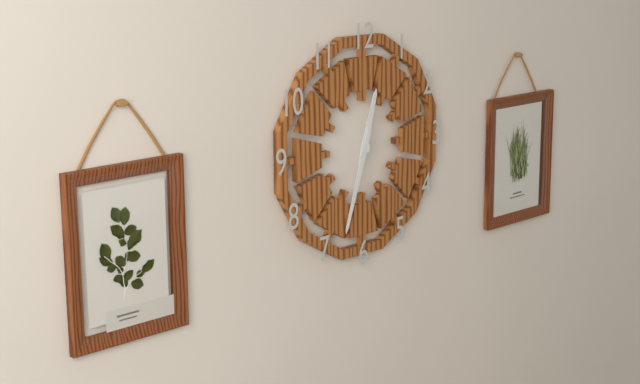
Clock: 12:33
